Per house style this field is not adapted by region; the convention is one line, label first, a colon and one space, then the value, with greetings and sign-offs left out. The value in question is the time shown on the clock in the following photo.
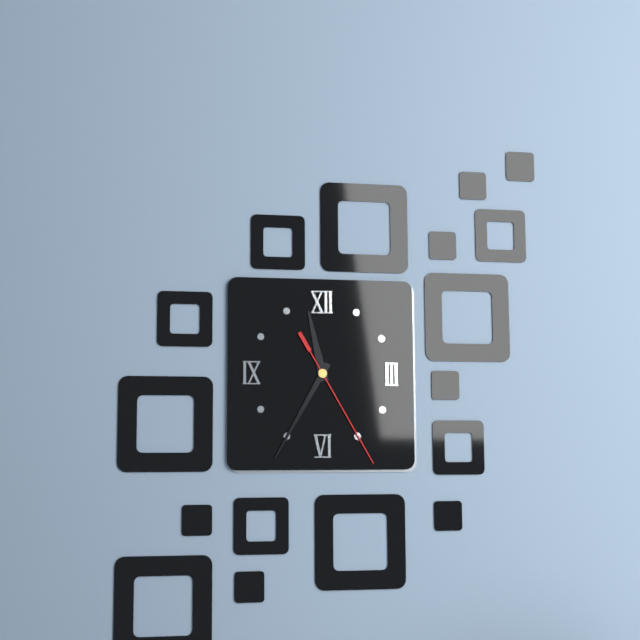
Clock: 11:35:25
